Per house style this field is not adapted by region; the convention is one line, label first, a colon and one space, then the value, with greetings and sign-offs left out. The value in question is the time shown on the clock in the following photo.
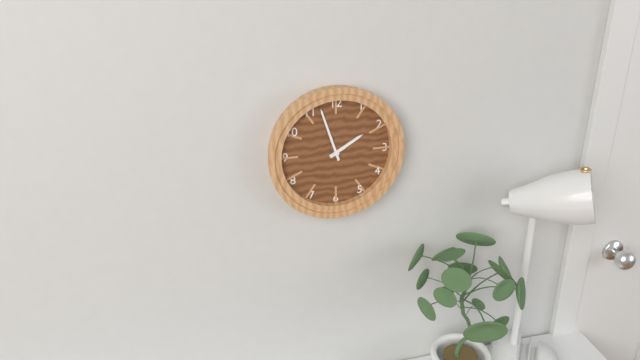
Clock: 1:57
